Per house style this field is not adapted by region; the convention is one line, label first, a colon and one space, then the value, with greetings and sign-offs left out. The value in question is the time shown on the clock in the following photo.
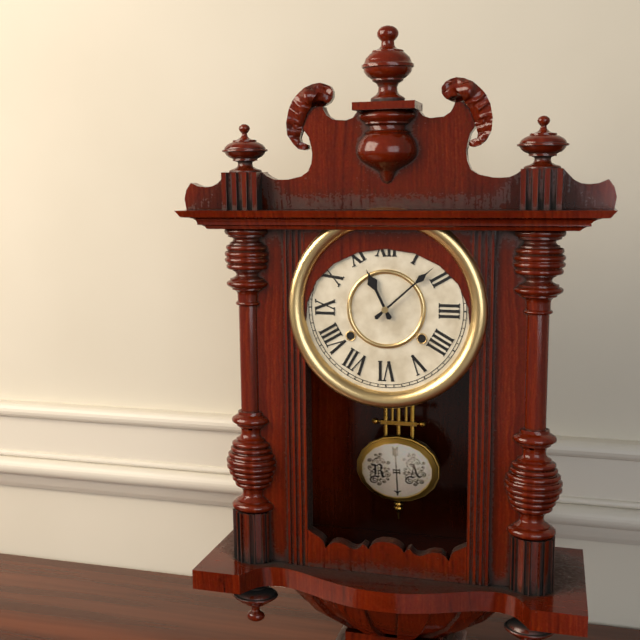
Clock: 11:08
